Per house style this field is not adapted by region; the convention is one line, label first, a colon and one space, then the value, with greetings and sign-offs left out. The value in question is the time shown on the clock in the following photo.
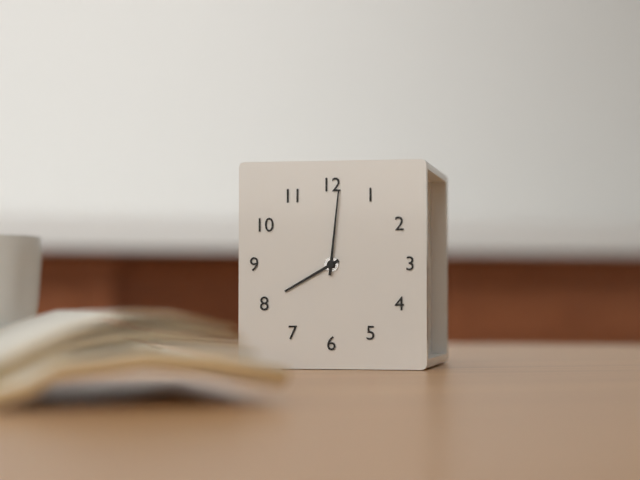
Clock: 8:01
